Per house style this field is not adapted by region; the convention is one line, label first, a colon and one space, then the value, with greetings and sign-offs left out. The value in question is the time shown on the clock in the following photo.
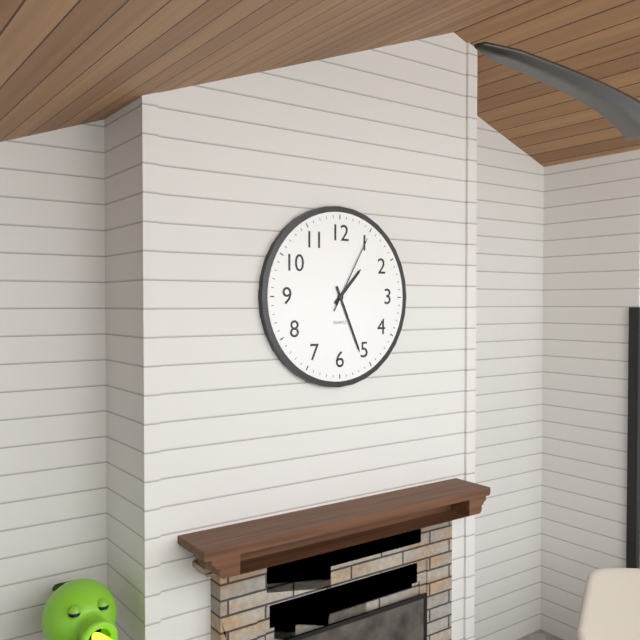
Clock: 1:26:05
